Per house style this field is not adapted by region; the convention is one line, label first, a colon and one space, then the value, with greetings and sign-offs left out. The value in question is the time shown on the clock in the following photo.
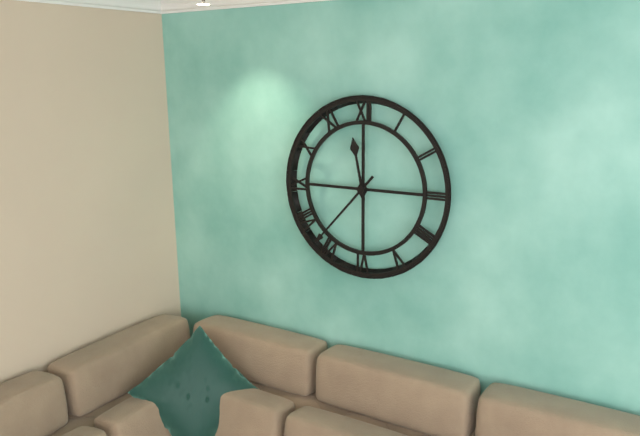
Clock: 11:37
